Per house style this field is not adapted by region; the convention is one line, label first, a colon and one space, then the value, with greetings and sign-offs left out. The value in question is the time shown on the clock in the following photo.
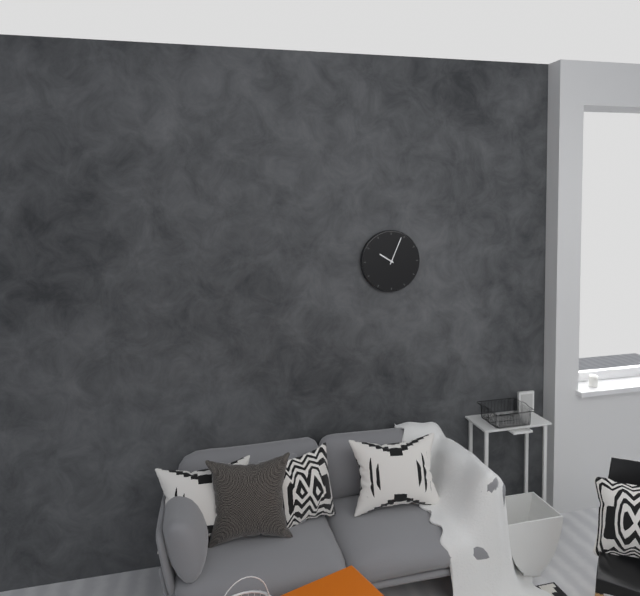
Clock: 10:04
